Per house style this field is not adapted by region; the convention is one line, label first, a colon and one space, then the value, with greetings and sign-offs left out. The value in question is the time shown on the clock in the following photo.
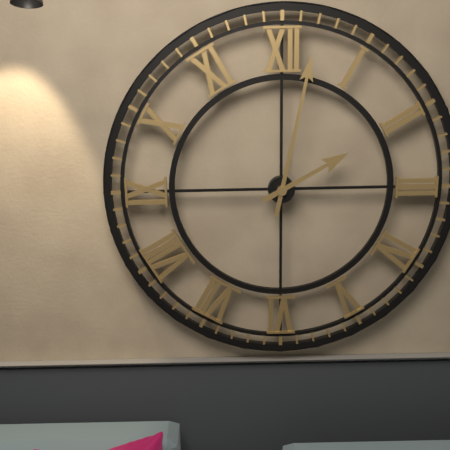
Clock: 2:02
